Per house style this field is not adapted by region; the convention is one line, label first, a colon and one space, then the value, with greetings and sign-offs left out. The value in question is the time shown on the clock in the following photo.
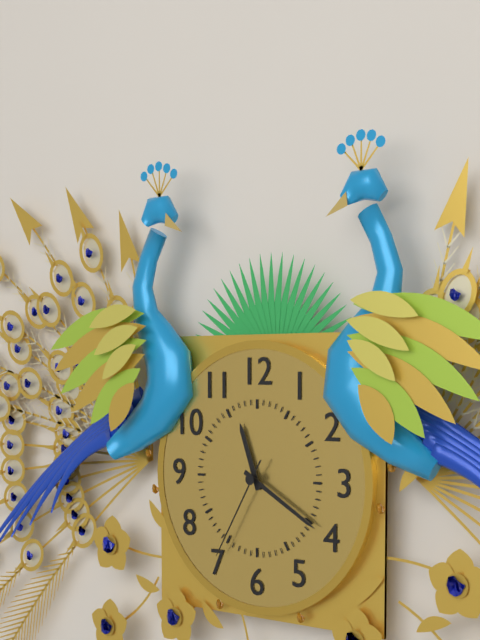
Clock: 11:20:35
